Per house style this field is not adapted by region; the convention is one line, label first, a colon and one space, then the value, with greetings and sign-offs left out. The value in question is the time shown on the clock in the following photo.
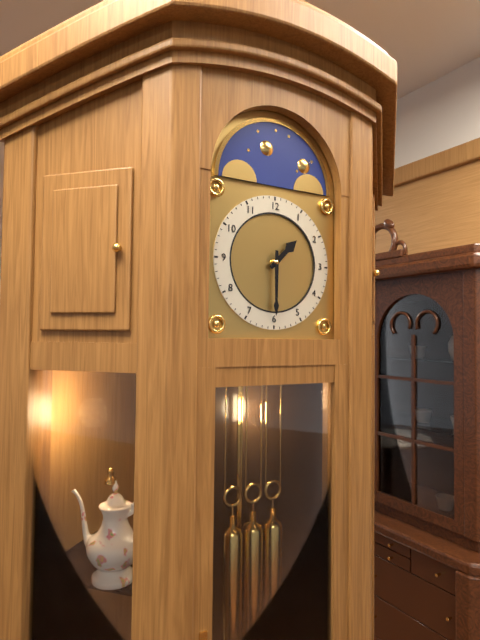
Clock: 1:30
